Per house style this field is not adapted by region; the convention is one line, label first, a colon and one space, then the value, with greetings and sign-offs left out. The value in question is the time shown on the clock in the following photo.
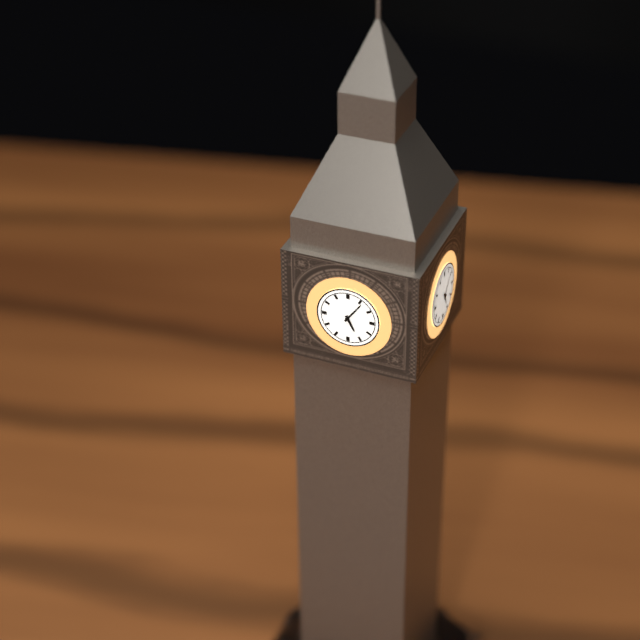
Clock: 5:06
